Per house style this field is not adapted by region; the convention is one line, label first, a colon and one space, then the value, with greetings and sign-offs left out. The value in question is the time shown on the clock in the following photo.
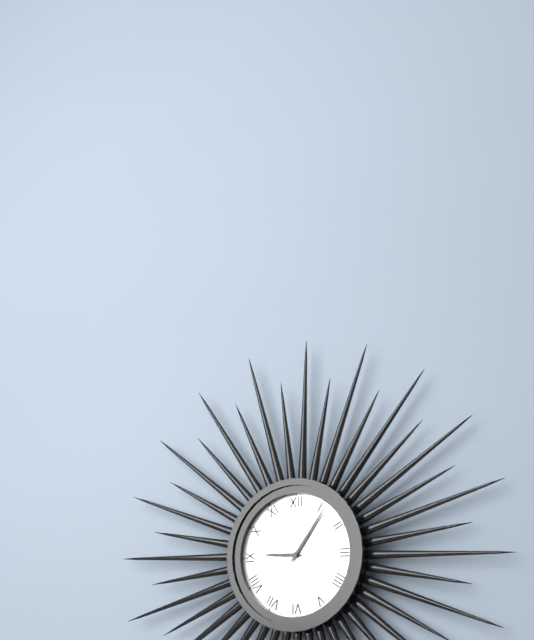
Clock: 9:06
